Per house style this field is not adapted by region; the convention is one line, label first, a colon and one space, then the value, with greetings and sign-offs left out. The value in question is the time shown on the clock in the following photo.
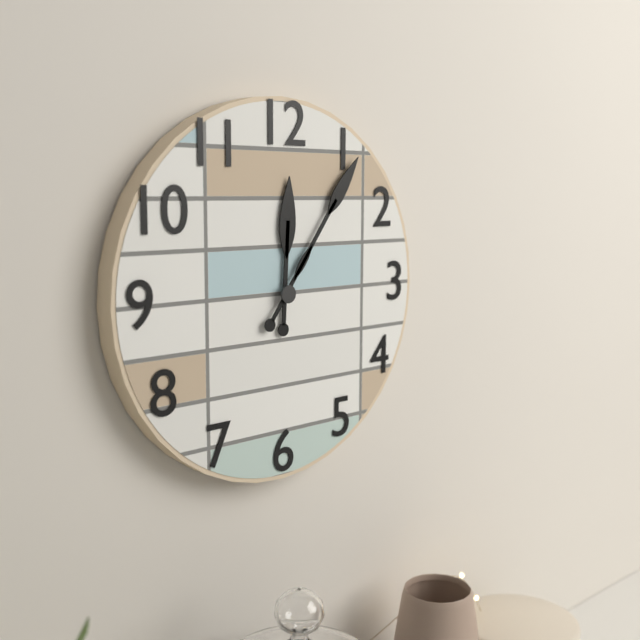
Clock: 12:06
